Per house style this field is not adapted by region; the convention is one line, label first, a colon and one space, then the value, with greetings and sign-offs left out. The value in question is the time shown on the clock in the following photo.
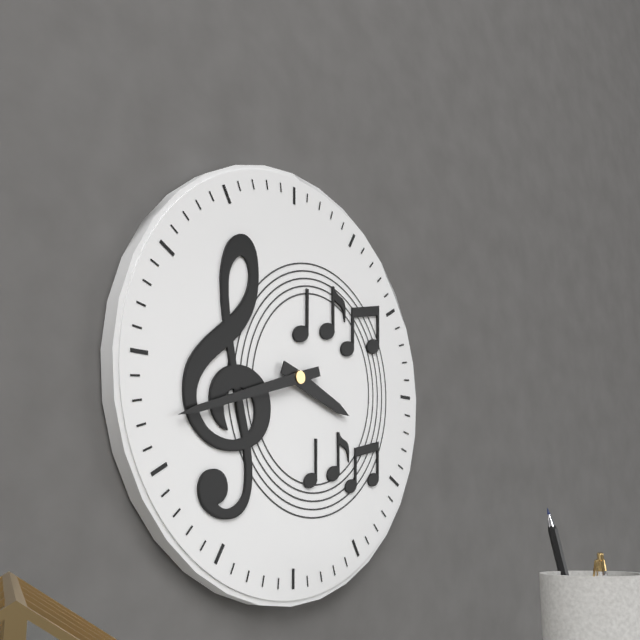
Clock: 3:42
